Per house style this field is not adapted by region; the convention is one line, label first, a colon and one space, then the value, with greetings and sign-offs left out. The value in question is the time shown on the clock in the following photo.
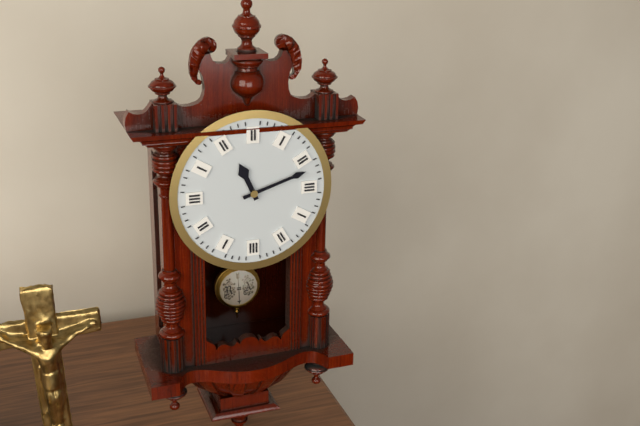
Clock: 11:12
